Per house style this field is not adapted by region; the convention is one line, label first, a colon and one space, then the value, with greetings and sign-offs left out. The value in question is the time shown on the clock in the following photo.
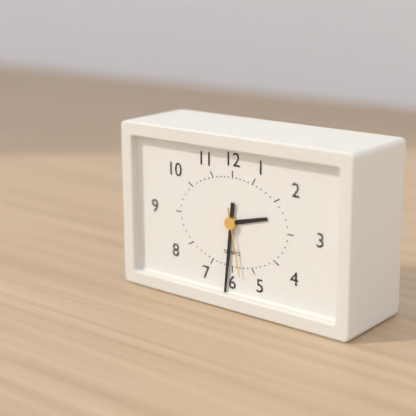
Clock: 2:31:28
